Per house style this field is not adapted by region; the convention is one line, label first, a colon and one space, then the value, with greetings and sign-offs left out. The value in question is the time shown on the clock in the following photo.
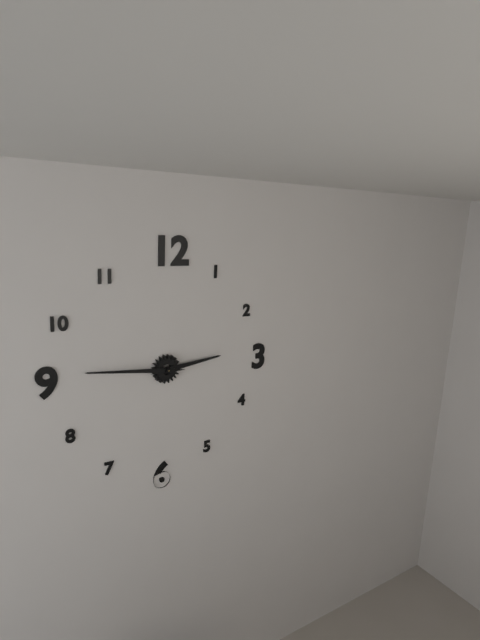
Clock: 2:46
